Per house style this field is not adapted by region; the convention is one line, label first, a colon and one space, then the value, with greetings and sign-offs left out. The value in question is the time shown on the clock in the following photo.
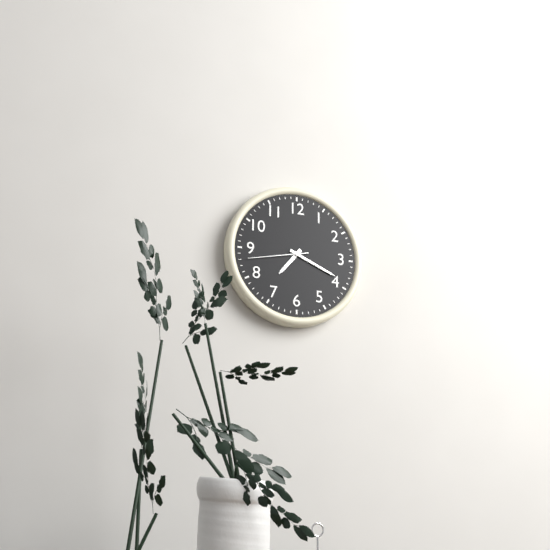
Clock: 7:19:43
